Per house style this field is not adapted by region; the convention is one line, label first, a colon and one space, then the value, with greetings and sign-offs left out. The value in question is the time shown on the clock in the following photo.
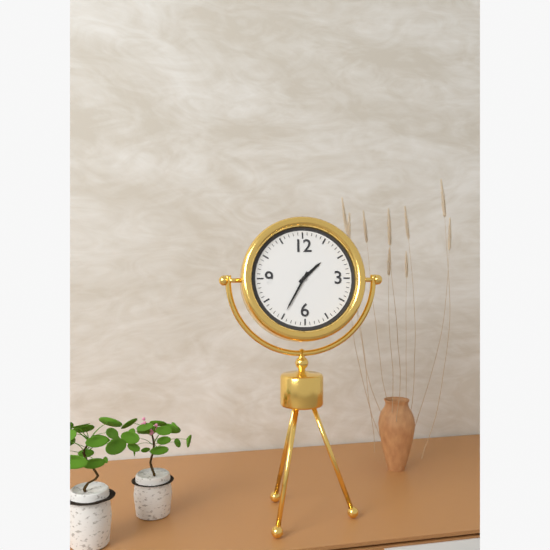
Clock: 1:35
